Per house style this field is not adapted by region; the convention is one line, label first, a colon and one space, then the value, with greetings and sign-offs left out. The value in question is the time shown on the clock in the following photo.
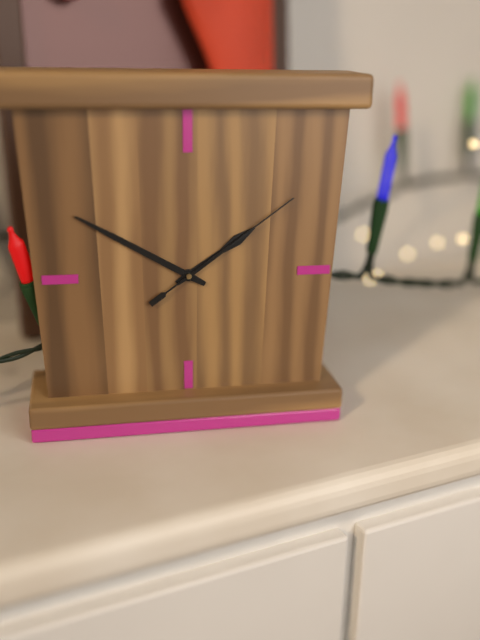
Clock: 1:50:09
